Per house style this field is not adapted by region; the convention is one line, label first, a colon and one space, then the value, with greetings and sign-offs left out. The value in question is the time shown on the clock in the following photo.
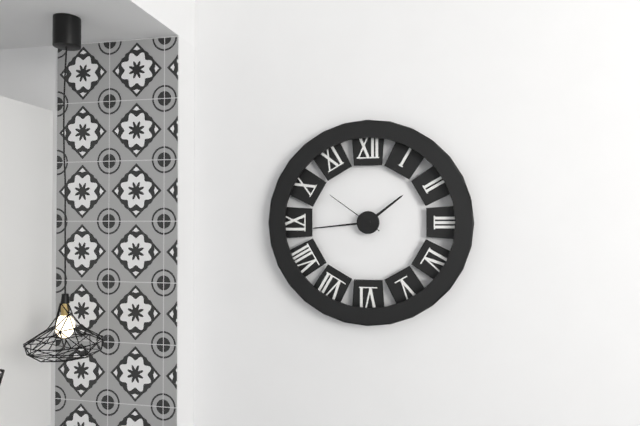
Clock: 1:44:51
